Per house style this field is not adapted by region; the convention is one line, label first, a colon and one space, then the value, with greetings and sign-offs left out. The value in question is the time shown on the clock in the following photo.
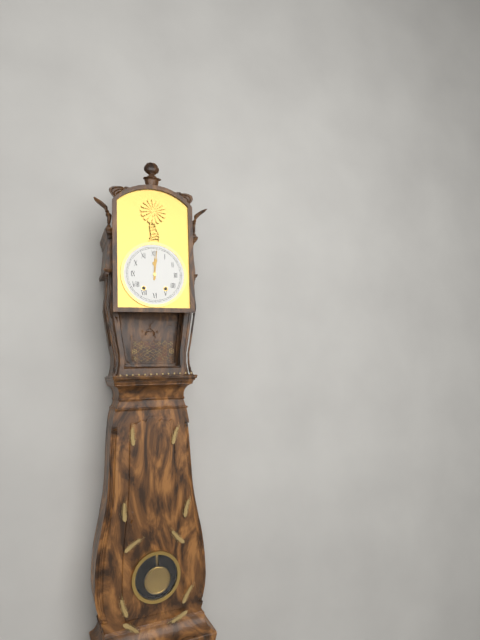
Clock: 12:01
